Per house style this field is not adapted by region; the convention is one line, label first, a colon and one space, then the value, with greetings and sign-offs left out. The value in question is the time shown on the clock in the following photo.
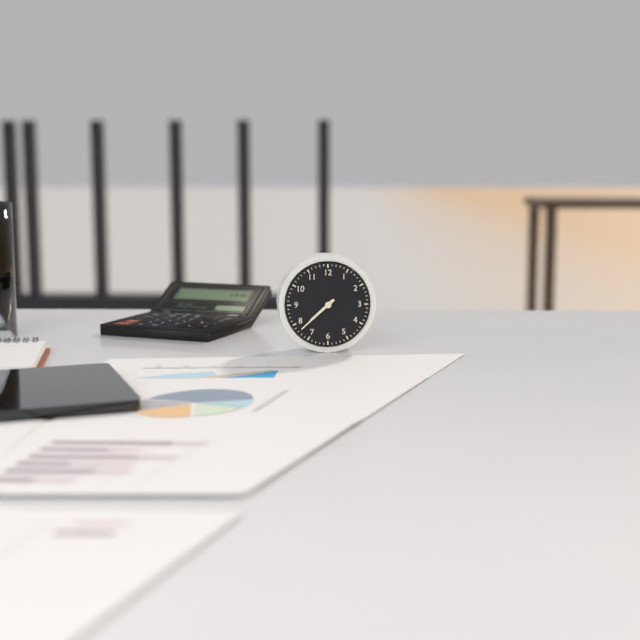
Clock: 7:38
